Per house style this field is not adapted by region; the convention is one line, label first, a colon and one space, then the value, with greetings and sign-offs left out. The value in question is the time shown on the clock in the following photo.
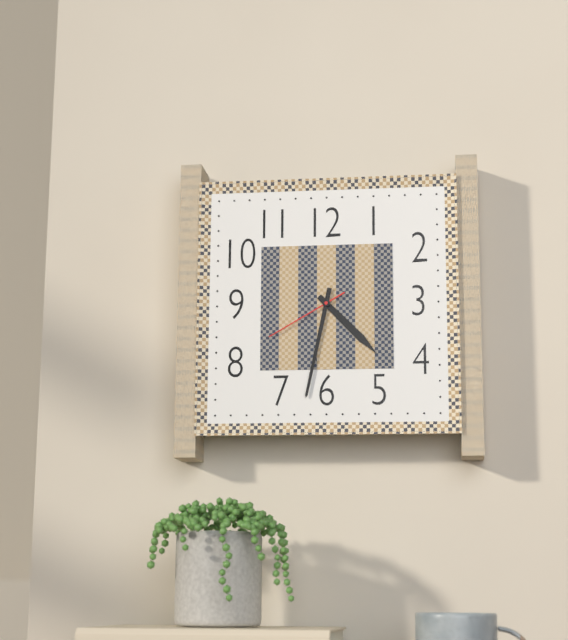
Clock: 4:32:40
